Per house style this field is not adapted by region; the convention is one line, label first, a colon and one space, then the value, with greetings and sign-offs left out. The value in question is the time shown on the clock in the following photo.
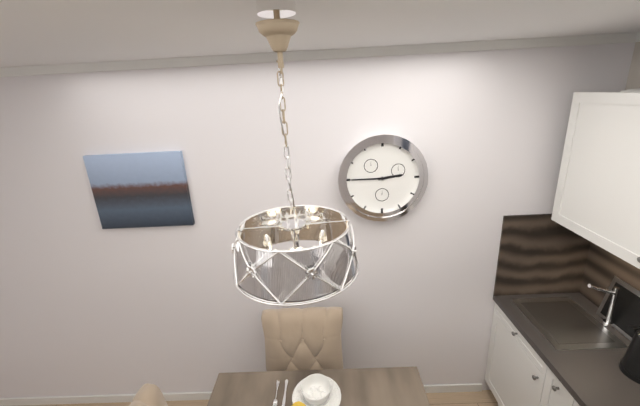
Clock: 2:45
